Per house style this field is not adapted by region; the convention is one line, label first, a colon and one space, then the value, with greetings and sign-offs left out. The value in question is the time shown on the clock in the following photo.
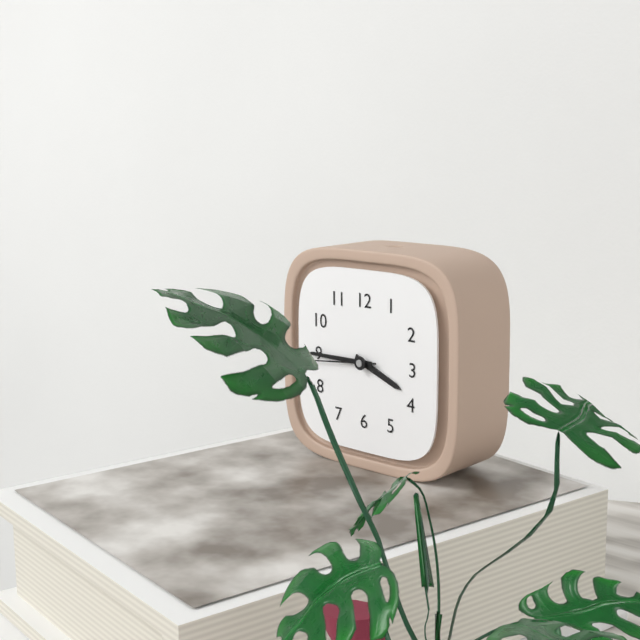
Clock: 3:45:44
